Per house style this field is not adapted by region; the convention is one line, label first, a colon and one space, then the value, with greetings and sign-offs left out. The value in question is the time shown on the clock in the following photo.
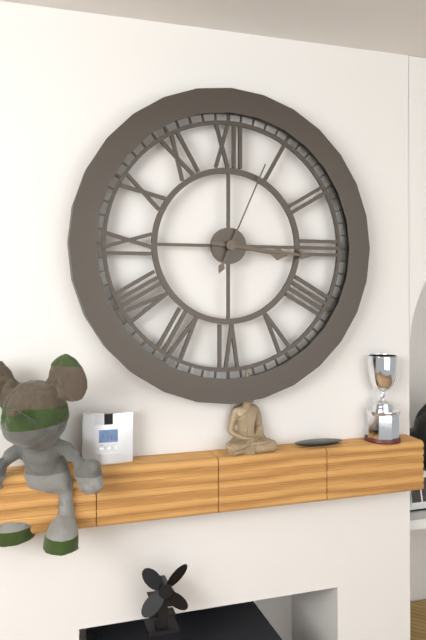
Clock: 3:16:04
